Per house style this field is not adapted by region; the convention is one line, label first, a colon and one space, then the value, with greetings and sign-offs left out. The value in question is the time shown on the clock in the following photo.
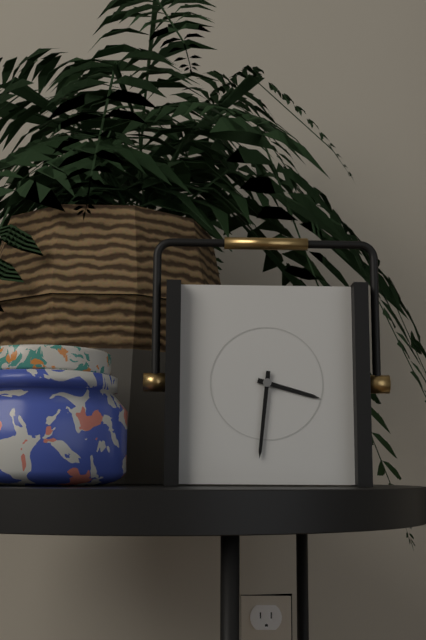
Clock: 3:31
